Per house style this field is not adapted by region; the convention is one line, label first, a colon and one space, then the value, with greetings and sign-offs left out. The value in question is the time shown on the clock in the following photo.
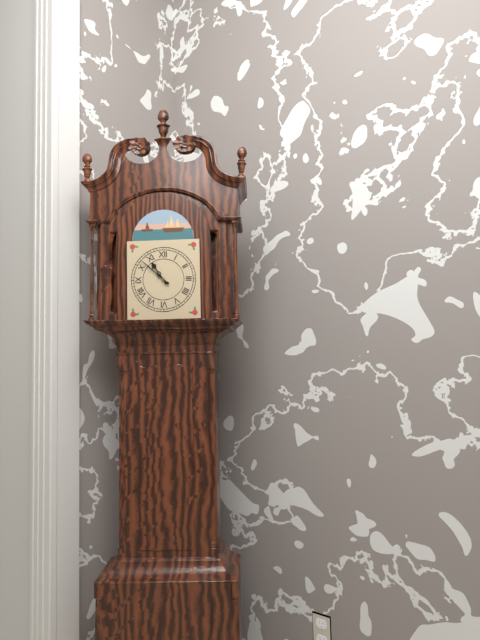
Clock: 10:52
